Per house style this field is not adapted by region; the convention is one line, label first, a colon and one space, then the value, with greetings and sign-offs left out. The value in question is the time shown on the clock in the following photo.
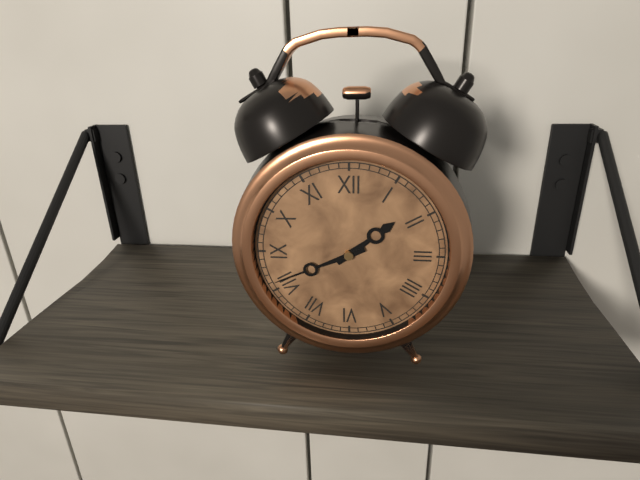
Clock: 1:41
